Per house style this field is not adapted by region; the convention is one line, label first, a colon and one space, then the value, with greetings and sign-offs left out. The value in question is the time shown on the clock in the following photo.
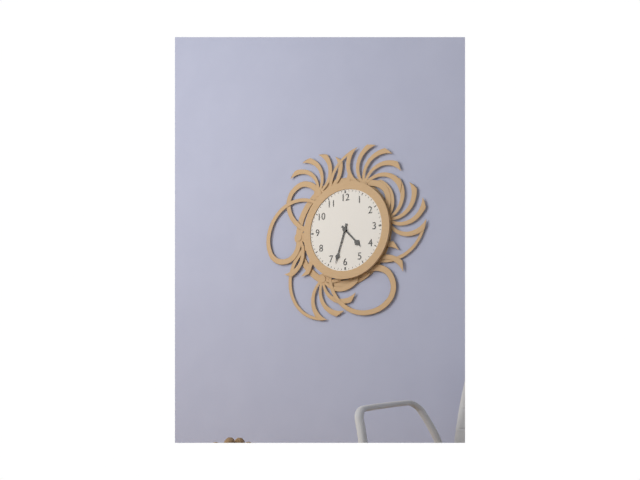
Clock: 4:33
